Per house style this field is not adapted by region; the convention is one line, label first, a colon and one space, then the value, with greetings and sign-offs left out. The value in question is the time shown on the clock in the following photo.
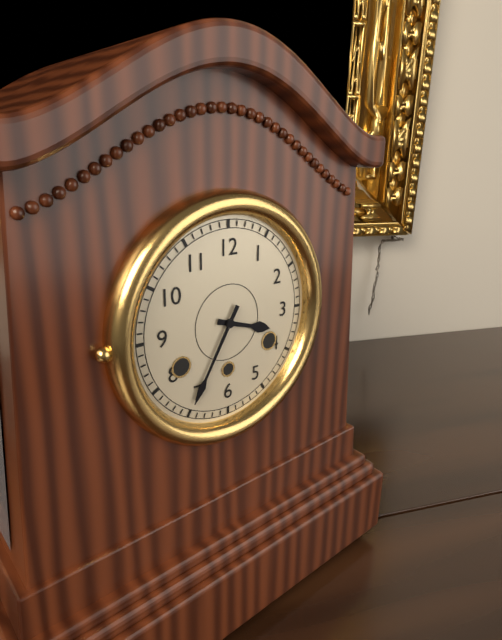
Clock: 3:35
